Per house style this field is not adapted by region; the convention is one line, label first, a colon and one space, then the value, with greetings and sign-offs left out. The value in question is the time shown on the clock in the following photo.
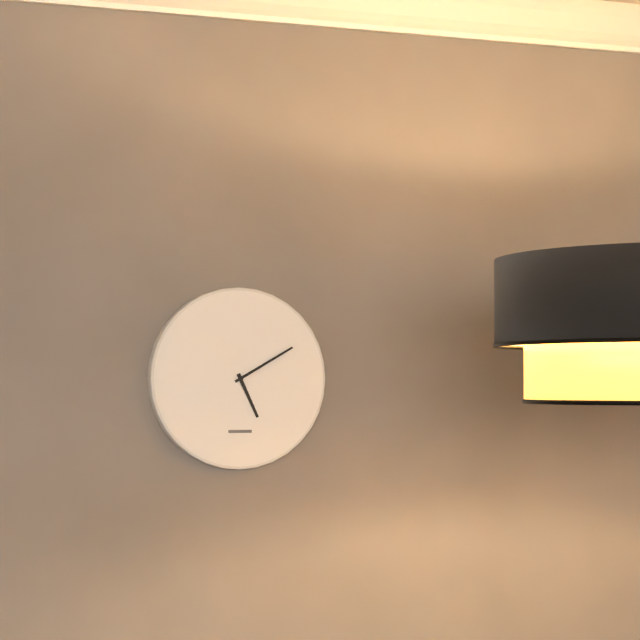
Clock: 5:10
